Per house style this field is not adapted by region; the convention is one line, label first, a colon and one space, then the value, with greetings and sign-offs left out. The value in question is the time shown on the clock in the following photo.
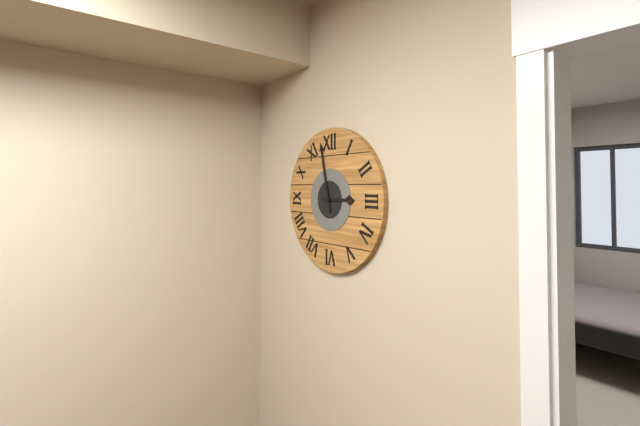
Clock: 2:58
